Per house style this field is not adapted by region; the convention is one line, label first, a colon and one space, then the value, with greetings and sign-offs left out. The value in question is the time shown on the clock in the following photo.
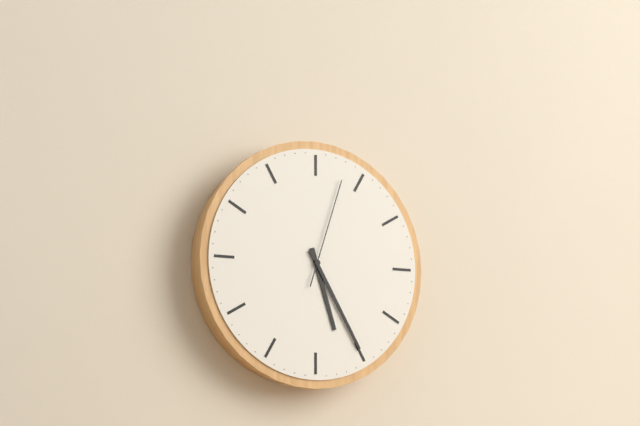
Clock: 5:25:03
